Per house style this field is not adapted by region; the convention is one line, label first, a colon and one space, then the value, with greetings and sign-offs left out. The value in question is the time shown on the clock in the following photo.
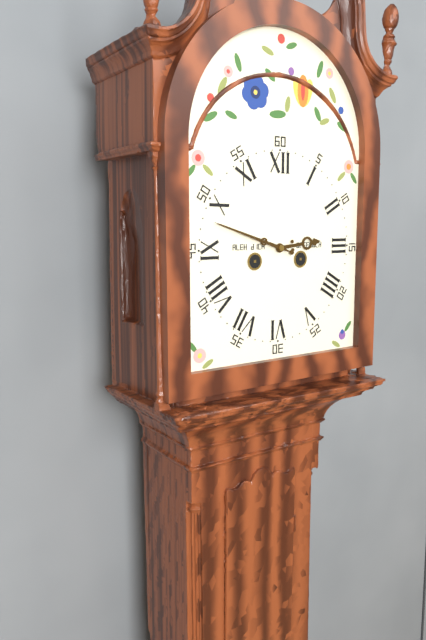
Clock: 2:48
